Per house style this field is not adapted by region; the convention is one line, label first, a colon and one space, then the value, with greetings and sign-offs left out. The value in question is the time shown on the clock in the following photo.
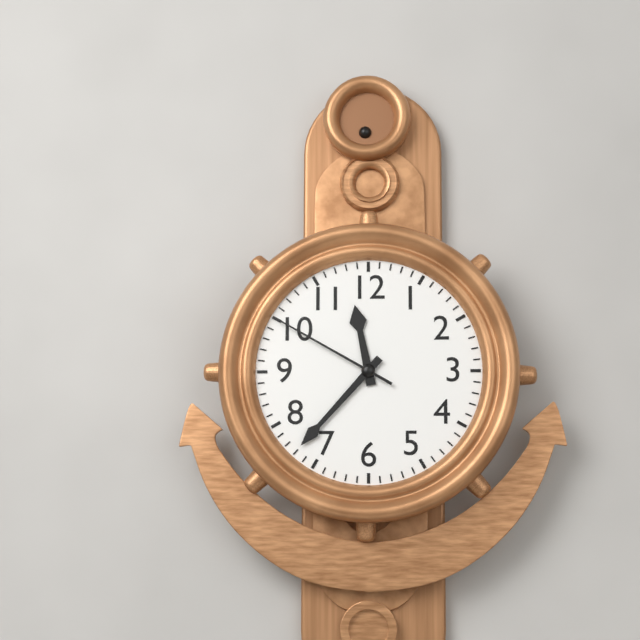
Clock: 11:37:50
